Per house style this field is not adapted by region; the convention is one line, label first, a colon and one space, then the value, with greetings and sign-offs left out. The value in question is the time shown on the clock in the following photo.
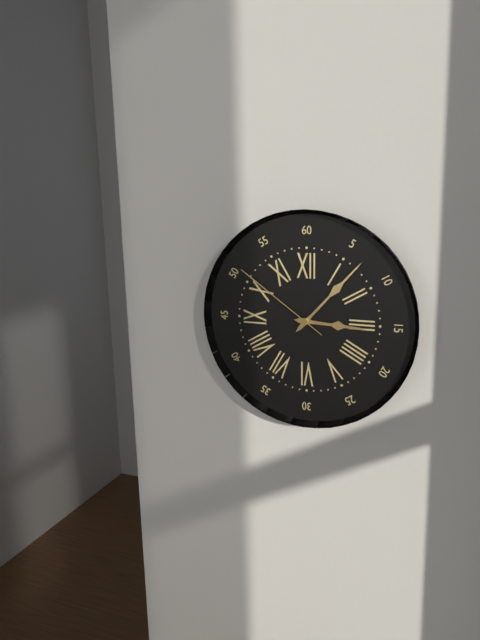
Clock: 3:07:51
